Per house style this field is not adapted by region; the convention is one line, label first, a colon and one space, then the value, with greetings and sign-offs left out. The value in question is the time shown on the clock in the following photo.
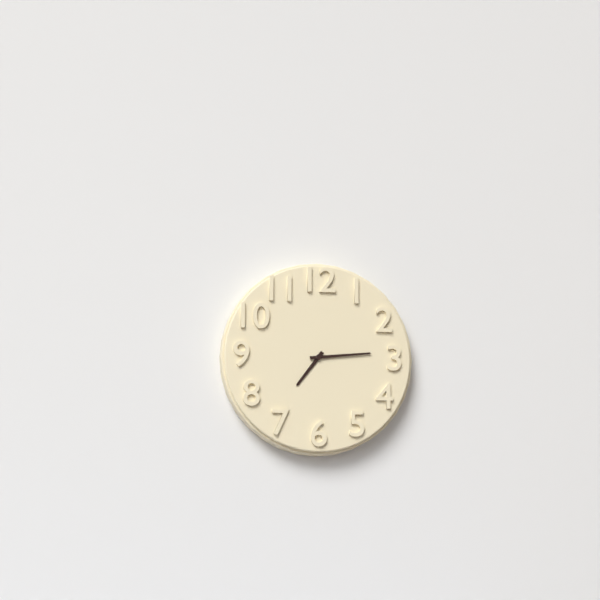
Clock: 7:14
